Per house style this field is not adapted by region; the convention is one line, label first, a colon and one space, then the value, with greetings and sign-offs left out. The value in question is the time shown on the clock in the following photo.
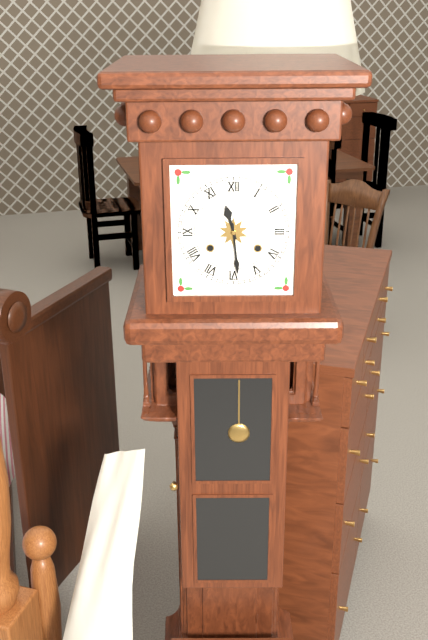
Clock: 11:29
